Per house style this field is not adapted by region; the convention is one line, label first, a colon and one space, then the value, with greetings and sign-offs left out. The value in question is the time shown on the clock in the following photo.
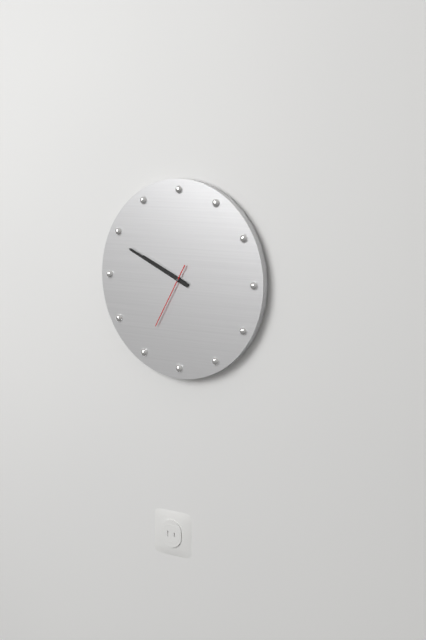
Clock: 9:49:35
